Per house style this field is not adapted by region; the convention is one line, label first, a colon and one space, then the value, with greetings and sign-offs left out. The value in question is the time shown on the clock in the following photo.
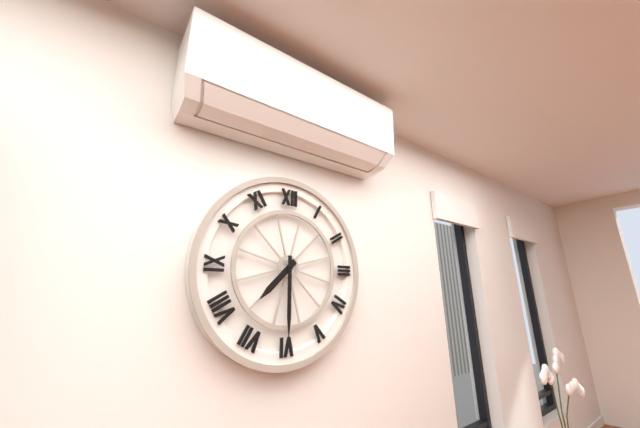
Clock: 7:30
